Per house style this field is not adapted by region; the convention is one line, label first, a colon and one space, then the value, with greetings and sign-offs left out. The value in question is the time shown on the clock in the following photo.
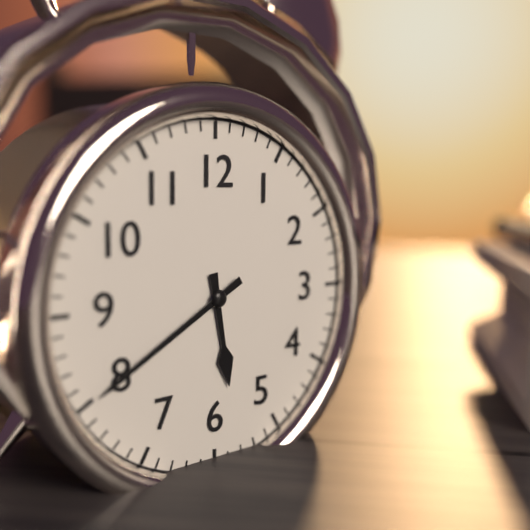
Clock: 5:40
